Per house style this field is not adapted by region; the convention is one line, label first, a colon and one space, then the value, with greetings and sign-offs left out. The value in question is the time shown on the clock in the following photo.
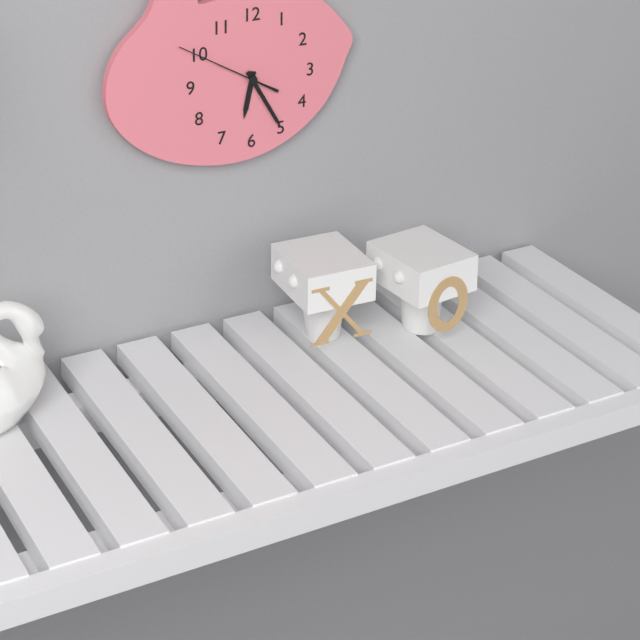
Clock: 6:25:50
